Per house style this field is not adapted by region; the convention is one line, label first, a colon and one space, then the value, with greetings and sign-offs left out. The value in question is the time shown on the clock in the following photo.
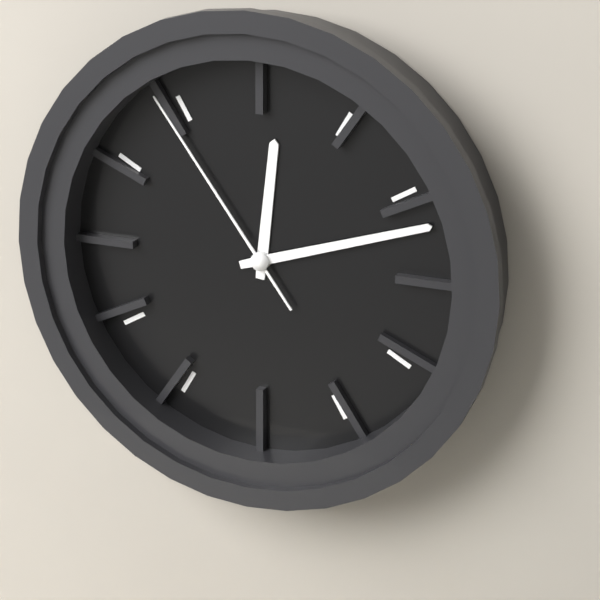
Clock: 12:12:54
